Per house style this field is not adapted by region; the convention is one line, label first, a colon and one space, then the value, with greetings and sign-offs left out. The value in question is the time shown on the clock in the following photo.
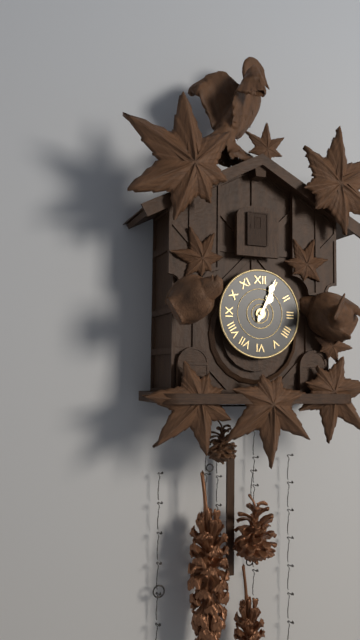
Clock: 1:04
